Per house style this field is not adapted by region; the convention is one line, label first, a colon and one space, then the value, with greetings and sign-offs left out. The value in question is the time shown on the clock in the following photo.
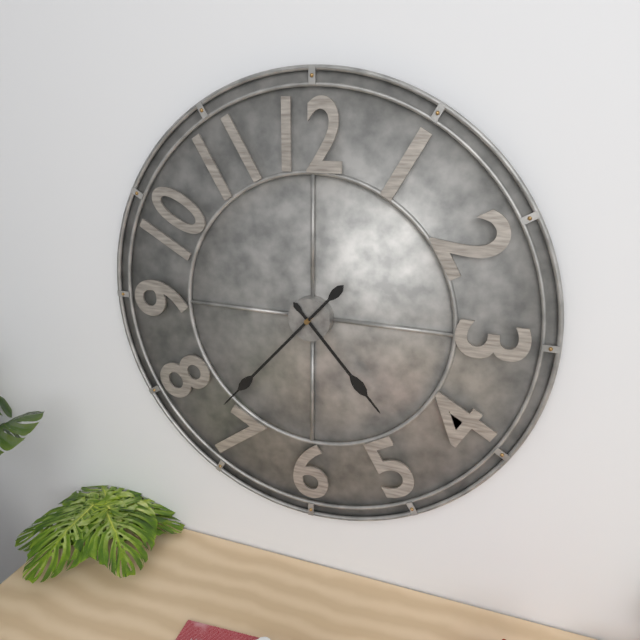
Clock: 4:37
